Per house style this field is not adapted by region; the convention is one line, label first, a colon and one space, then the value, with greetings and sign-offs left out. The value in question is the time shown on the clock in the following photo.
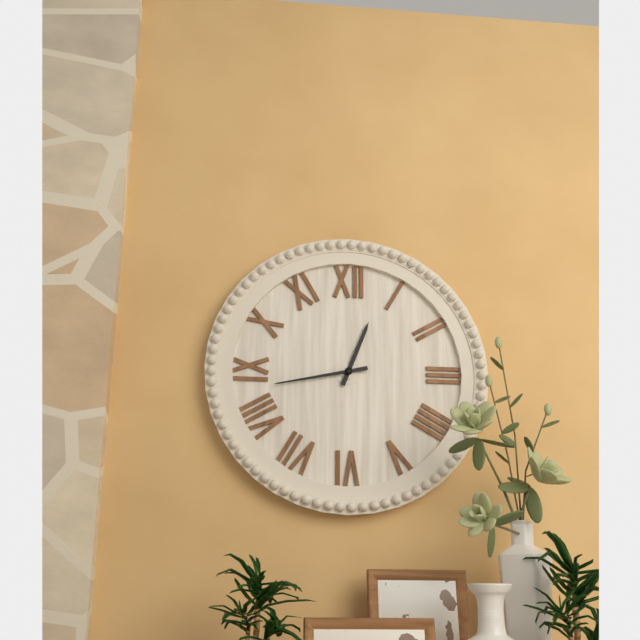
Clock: 12:43
